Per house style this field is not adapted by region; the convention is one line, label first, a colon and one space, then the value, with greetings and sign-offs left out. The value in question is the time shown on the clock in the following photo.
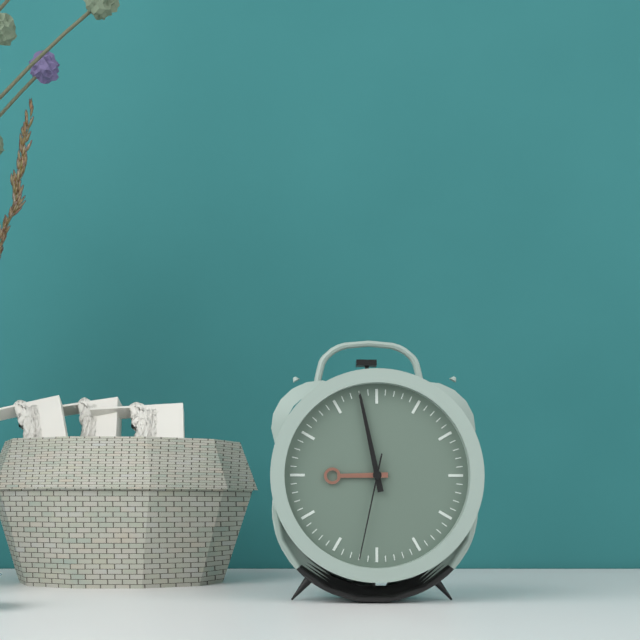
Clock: 8:58:32
